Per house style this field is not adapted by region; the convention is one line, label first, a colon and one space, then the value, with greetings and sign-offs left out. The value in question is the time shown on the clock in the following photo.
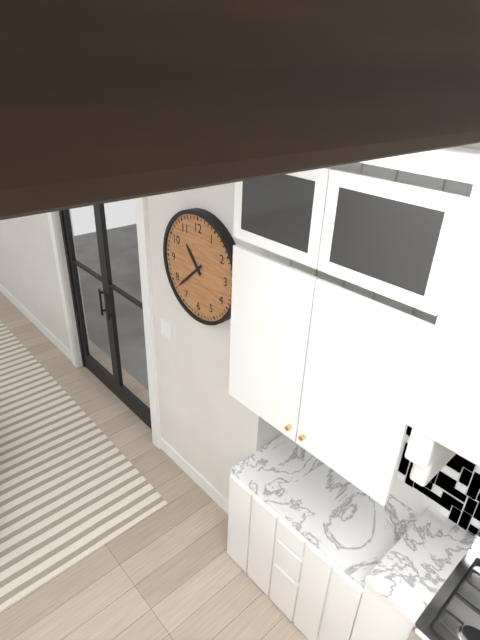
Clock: 10:38
